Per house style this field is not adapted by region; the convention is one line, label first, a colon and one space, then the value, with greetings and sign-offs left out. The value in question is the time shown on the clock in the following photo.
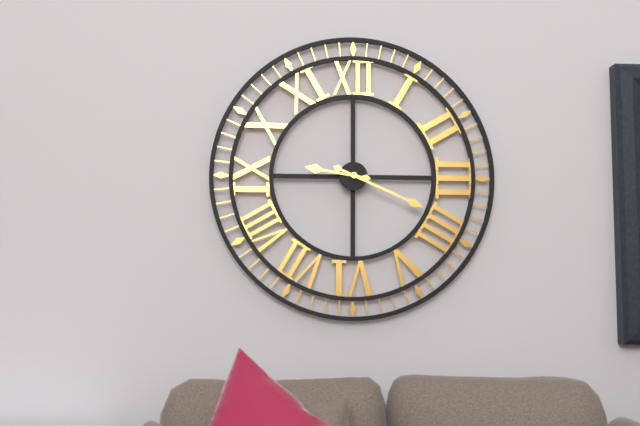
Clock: 9:19
